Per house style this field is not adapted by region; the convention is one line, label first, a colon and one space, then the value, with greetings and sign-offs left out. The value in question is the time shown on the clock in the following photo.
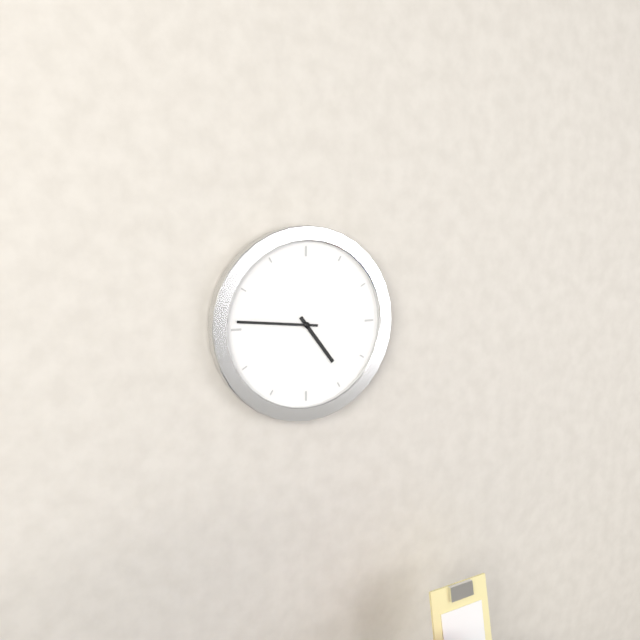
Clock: 4:46
